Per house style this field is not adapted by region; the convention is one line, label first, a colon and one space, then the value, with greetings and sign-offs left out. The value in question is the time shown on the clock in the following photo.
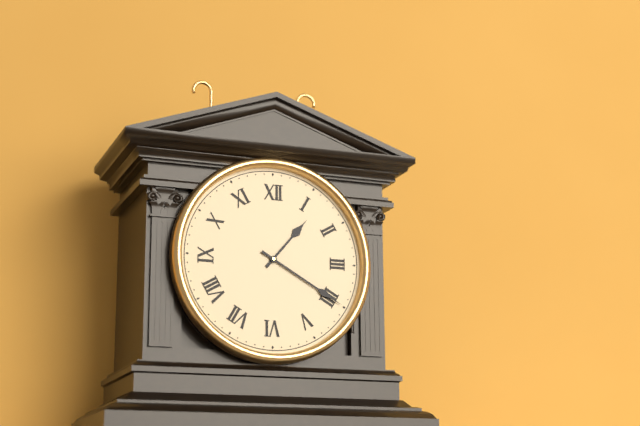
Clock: 1:20
